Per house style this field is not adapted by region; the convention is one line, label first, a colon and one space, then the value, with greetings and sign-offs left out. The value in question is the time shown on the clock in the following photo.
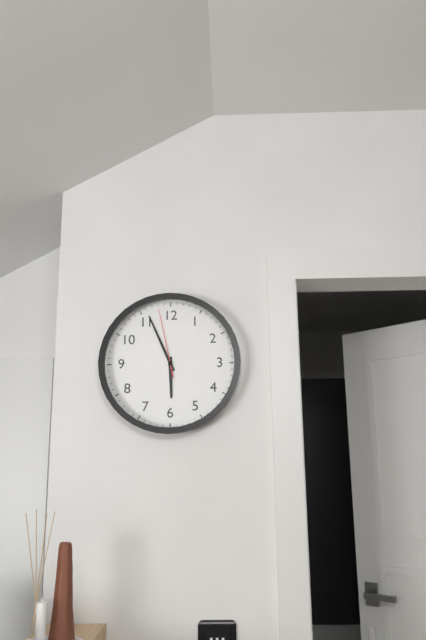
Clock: 5:56:58
